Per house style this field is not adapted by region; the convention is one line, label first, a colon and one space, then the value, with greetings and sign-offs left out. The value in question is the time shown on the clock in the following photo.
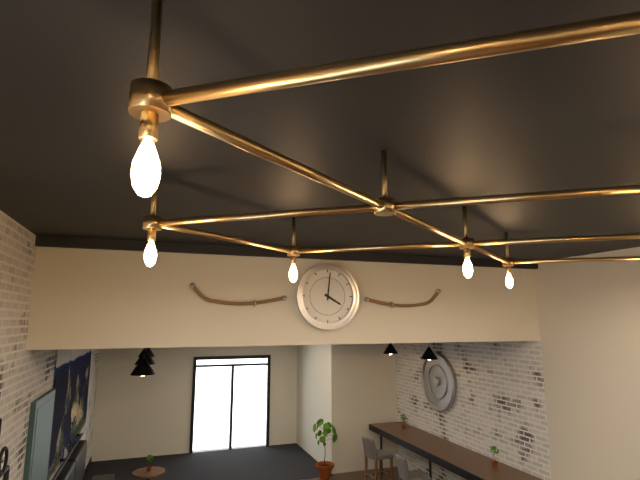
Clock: 4:01
